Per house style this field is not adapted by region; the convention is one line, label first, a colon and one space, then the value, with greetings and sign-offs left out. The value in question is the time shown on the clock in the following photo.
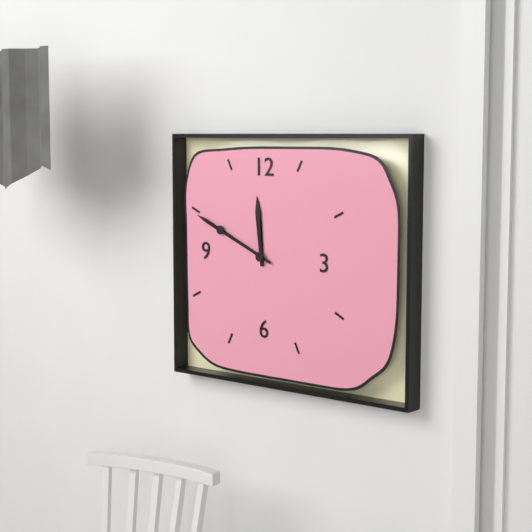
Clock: 11:49
